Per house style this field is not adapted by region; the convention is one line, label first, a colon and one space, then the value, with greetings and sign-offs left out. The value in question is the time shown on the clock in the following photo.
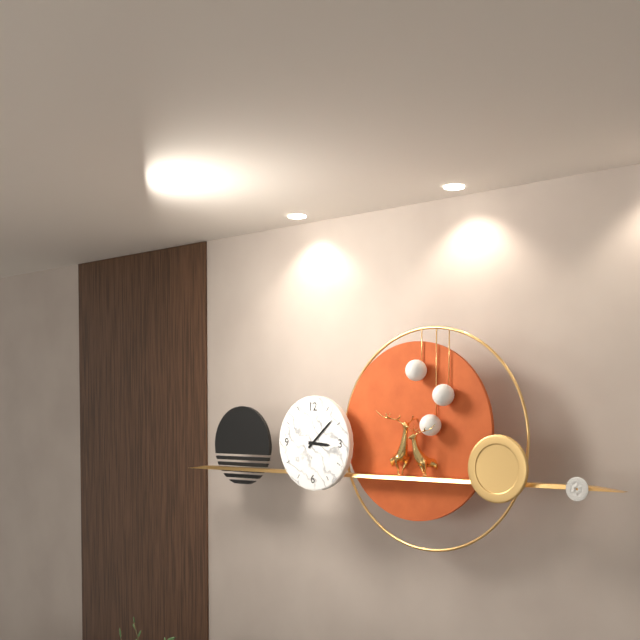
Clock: 3:08
